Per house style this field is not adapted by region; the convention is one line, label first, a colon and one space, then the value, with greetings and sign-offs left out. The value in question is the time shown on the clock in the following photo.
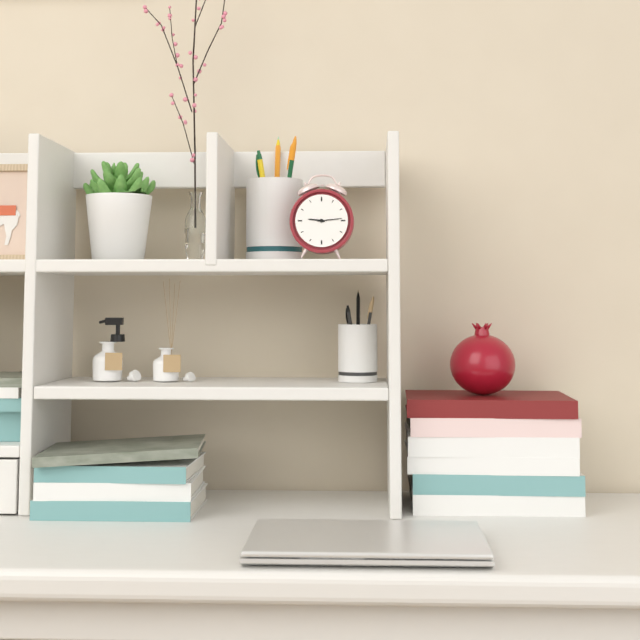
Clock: 9:14
